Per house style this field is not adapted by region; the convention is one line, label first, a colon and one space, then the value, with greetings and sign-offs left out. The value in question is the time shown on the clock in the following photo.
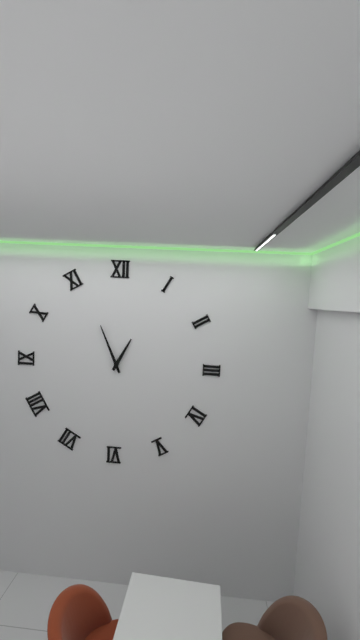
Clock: 12:56
